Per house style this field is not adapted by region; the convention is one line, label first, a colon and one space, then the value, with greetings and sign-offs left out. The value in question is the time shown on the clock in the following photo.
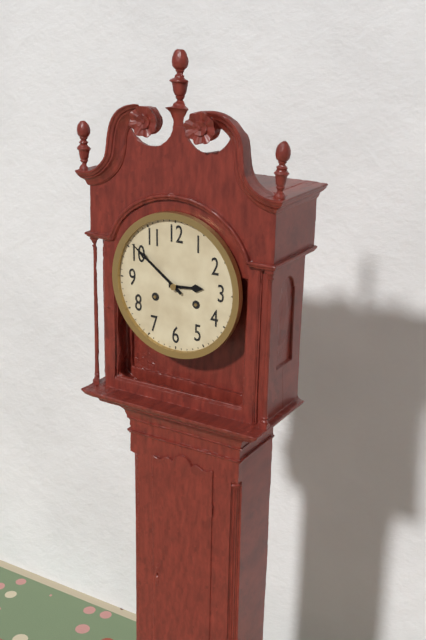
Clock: 2:51
